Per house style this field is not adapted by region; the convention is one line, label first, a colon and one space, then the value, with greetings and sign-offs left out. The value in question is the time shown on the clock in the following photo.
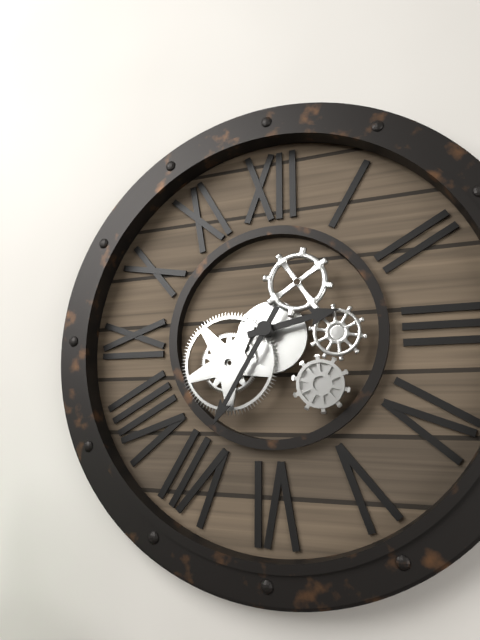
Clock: 2:35
